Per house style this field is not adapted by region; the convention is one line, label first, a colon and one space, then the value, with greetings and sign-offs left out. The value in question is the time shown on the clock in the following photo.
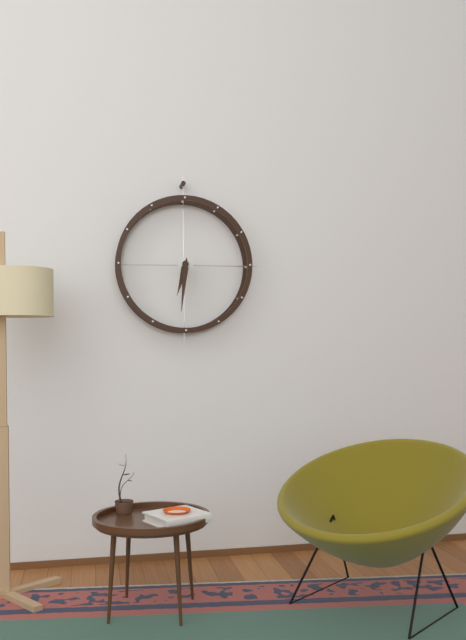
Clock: 6:31
